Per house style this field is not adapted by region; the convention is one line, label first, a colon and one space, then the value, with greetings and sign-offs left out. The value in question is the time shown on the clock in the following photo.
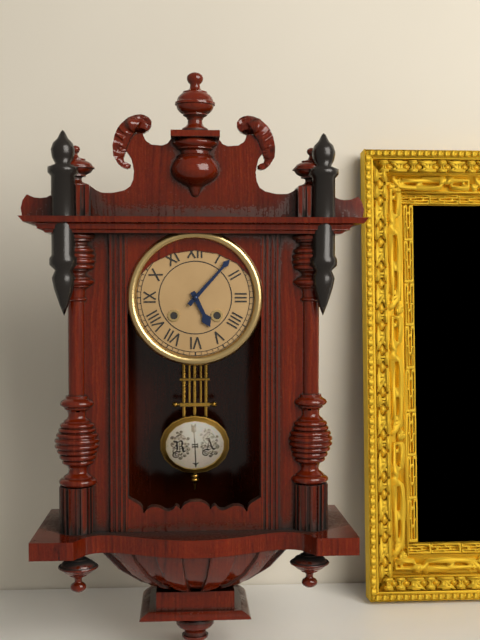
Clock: 5:07
